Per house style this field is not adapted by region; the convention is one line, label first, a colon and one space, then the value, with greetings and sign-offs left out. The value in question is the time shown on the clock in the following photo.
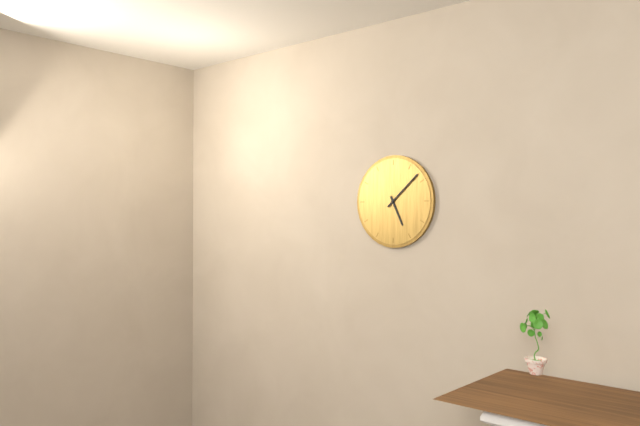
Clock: 5:08
